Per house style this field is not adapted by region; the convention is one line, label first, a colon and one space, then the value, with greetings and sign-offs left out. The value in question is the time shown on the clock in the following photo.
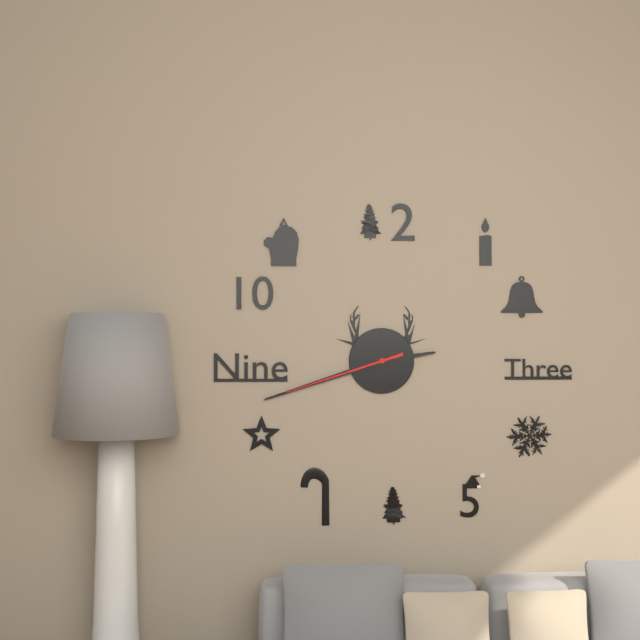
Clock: 2:42:42
